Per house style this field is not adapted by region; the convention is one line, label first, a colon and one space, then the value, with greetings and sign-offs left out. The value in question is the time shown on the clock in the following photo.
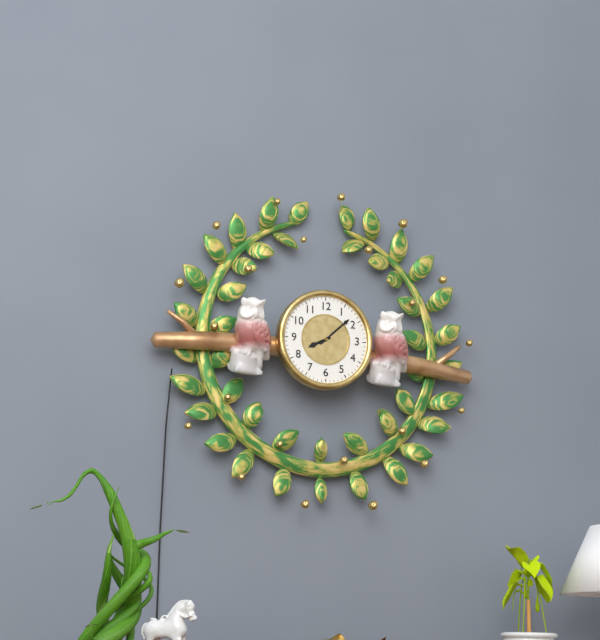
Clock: 8:08
